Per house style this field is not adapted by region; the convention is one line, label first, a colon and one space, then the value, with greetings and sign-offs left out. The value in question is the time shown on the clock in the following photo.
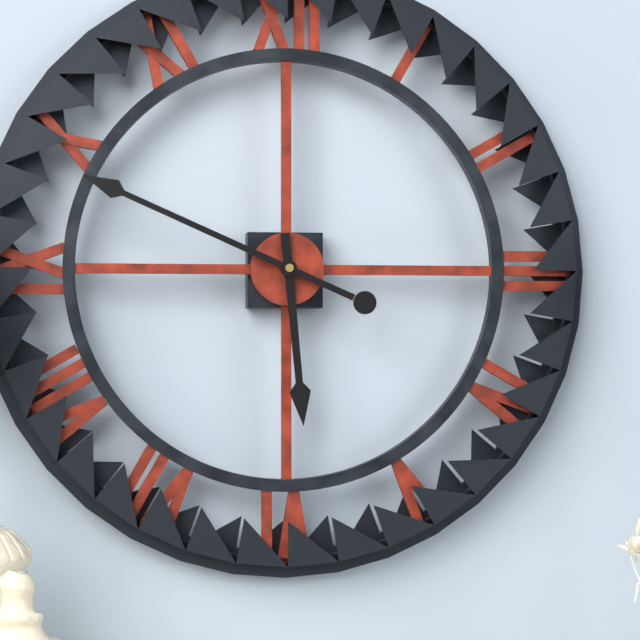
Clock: 5:49
